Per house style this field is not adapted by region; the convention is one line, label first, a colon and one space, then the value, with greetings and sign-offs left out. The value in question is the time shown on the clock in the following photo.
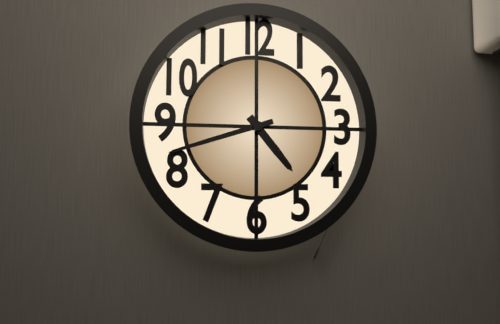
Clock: 4:42
